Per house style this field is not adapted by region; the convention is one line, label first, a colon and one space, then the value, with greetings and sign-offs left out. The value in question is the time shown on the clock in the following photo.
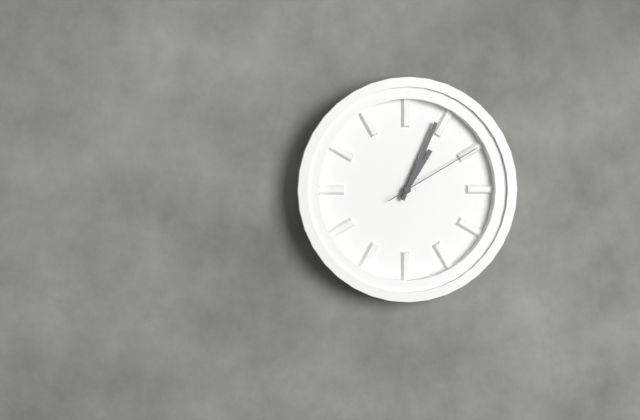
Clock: 1:04:10
